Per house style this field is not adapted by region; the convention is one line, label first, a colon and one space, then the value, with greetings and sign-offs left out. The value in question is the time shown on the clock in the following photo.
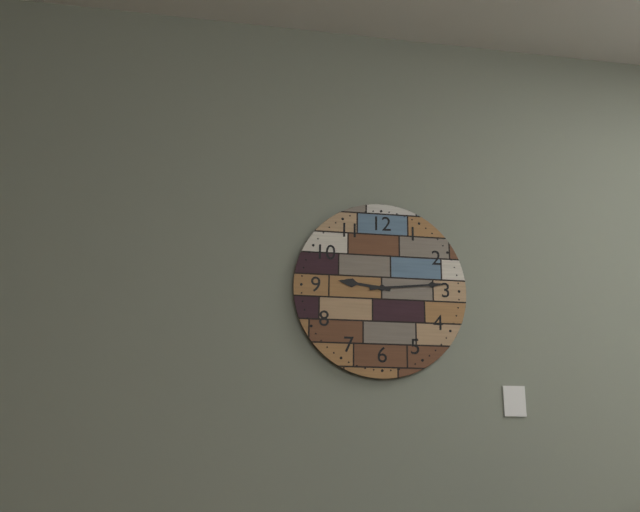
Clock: 9:14
